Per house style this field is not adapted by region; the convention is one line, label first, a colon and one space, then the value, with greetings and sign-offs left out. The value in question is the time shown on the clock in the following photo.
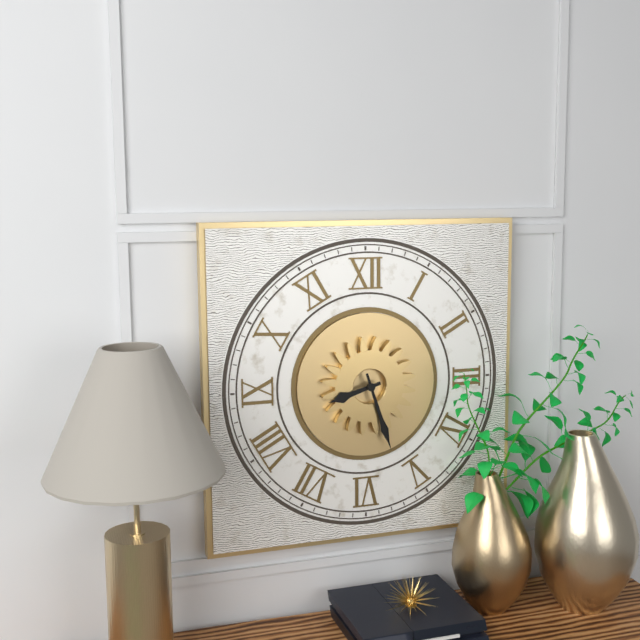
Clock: 8:27
